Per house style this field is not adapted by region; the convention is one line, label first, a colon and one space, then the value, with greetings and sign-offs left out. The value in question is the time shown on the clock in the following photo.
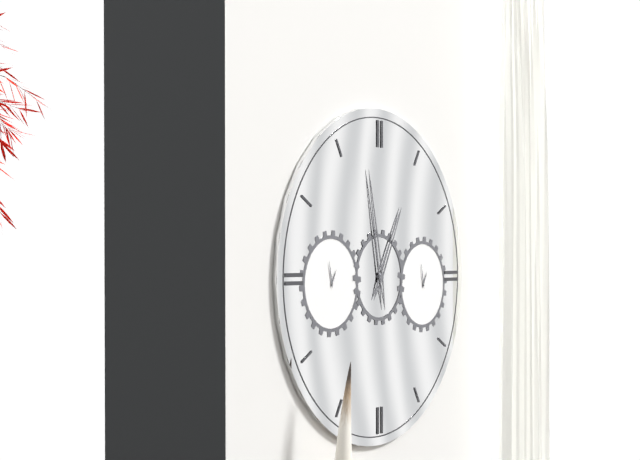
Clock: 12:58
